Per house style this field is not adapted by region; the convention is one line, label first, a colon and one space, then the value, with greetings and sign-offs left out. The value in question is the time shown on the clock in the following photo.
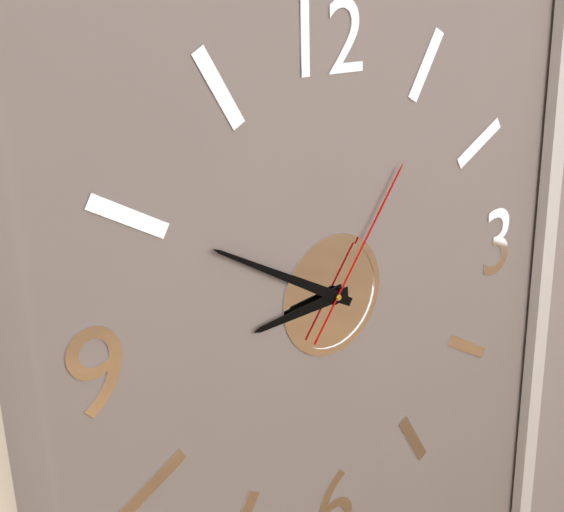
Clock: 8:50:06
